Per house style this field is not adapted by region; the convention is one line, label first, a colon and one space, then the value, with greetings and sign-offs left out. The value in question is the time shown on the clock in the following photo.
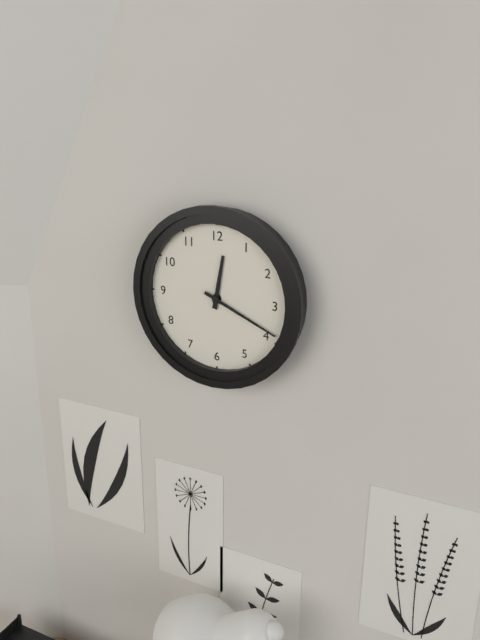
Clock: 12:19
